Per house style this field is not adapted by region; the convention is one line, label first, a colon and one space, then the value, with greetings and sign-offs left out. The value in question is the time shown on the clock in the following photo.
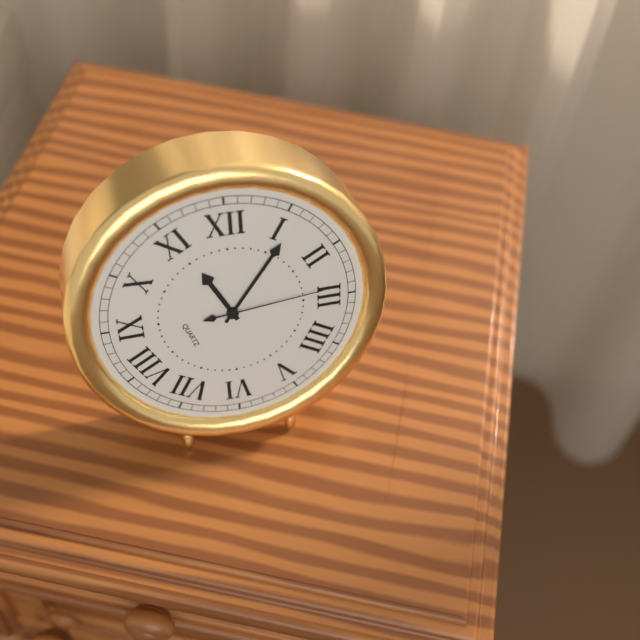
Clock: 11:06:14
